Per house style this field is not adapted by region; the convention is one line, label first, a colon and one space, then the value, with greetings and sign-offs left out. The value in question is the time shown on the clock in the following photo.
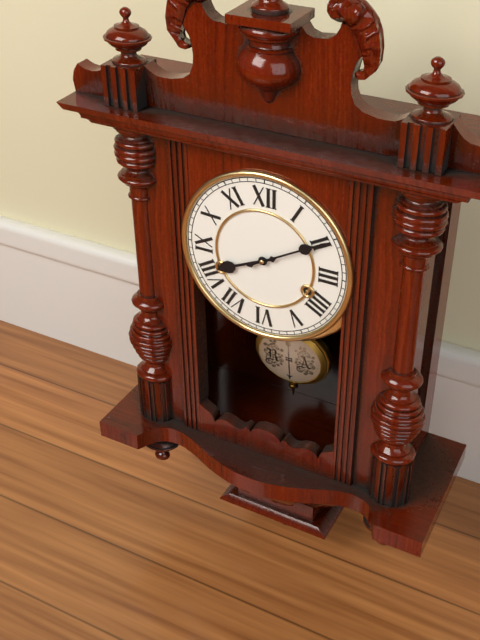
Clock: 8:10
